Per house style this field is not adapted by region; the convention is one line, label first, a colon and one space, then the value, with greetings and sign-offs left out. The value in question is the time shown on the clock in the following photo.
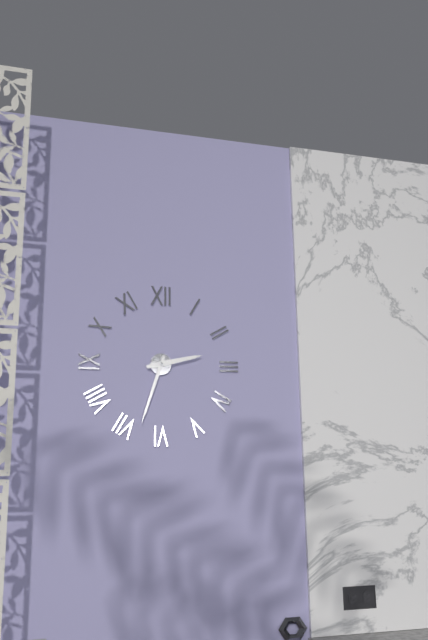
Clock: 2:33
